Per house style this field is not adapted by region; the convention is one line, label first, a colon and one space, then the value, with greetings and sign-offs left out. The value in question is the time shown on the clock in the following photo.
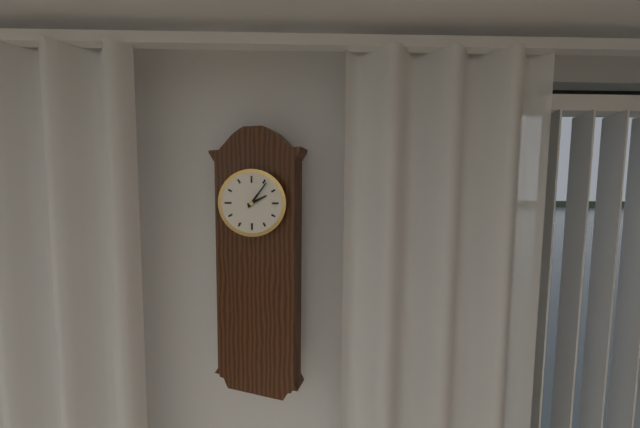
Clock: 2:06
